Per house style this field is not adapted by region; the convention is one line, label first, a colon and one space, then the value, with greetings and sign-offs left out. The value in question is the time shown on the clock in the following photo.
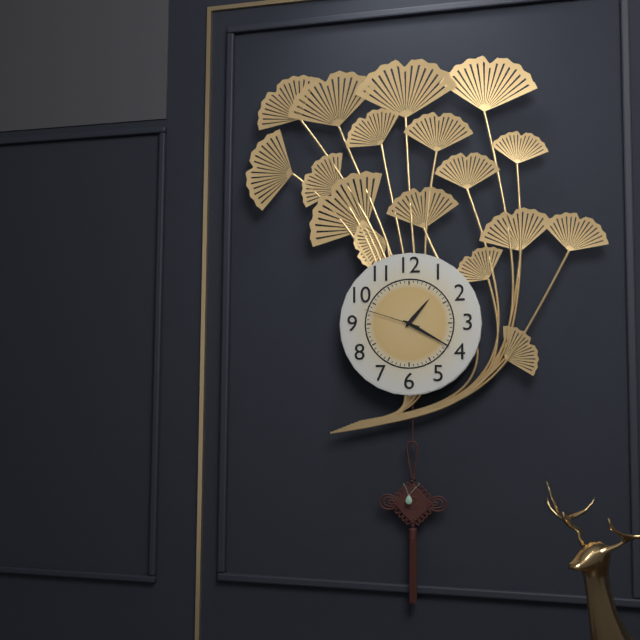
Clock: 1:20:48
